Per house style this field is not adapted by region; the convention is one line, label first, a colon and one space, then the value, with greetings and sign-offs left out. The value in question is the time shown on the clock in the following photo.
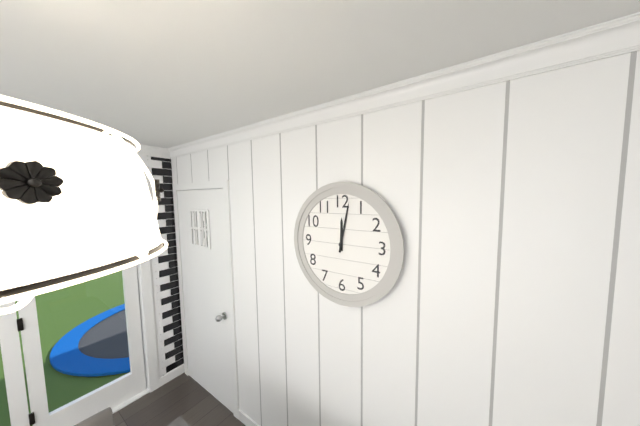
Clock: 12:02
